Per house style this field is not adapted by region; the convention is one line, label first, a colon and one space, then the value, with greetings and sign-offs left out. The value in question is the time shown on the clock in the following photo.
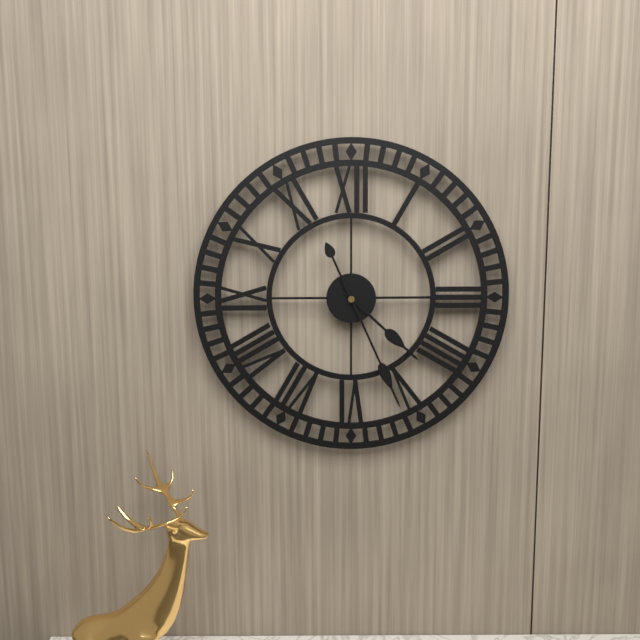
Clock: 4:26
